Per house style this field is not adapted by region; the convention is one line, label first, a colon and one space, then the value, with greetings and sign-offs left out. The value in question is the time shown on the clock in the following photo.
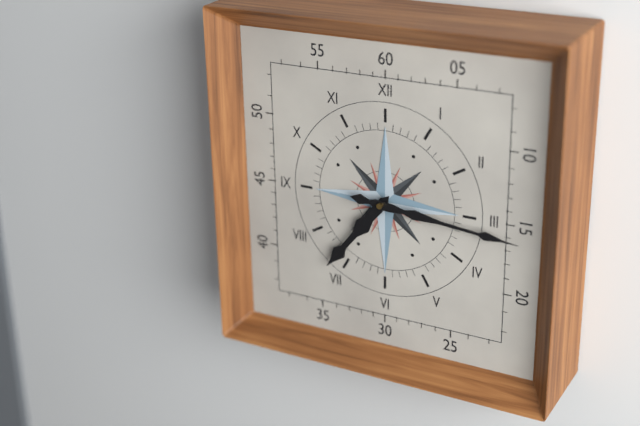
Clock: 7:16
